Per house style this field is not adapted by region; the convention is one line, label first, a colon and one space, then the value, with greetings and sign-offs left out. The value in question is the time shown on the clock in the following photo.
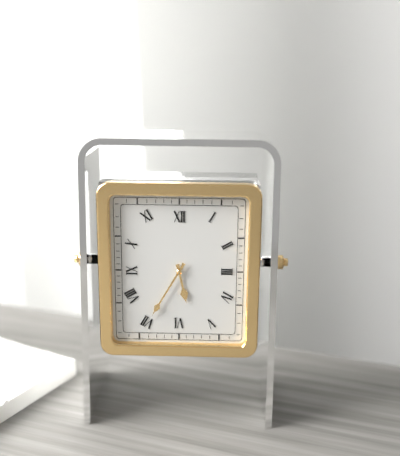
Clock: 5:35
